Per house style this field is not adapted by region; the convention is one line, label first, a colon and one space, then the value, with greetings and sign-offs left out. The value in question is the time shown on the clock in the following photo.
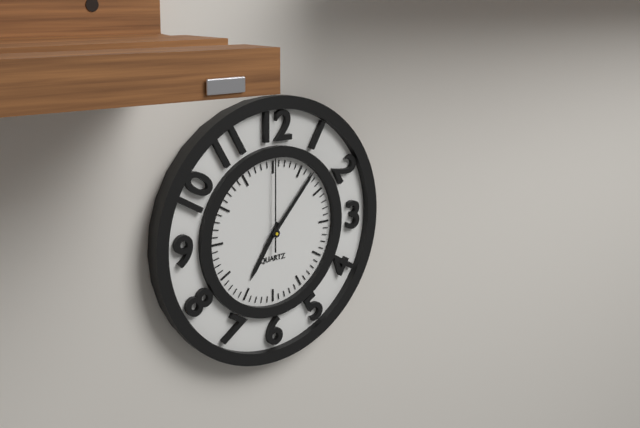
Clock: 7:07:00
